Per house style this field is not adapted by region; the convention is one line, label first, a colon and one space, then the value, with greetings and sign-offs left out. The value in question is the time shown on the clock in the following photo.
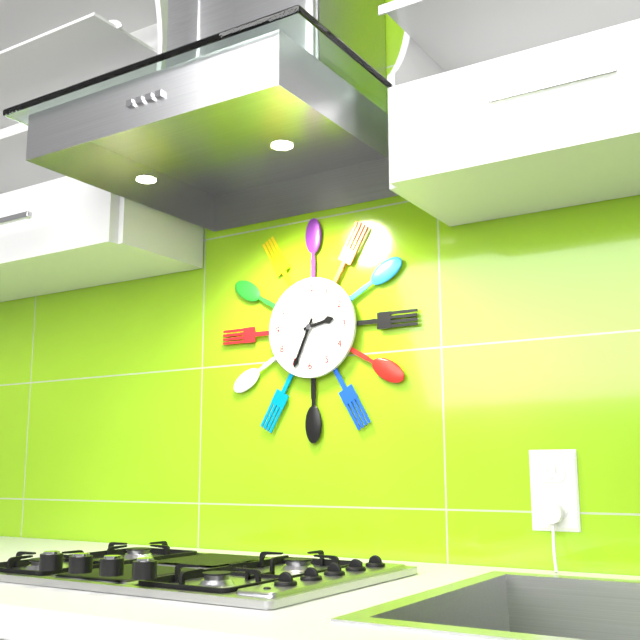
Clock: 2:34
